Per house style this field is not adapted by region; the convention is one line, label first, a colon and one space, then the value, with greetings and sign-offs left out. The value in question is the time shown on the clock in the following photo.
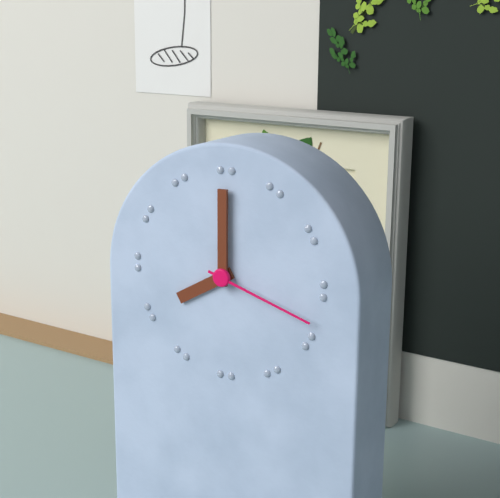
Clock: 8:00:18
